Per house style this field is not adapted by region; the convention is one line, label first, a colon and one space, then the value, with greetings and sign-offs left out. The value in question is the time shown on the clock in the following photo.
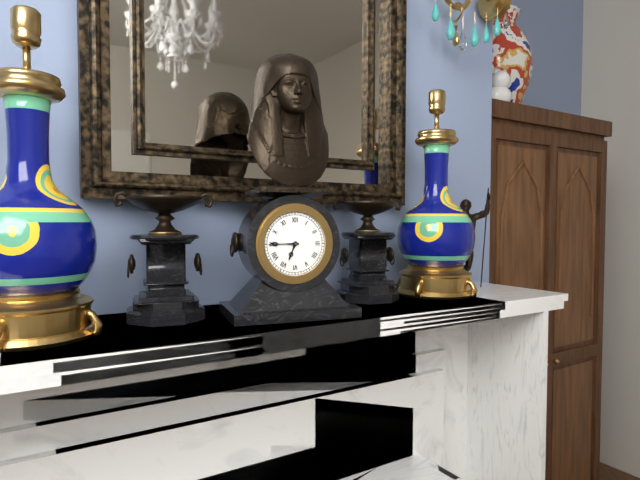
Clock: 6:45
